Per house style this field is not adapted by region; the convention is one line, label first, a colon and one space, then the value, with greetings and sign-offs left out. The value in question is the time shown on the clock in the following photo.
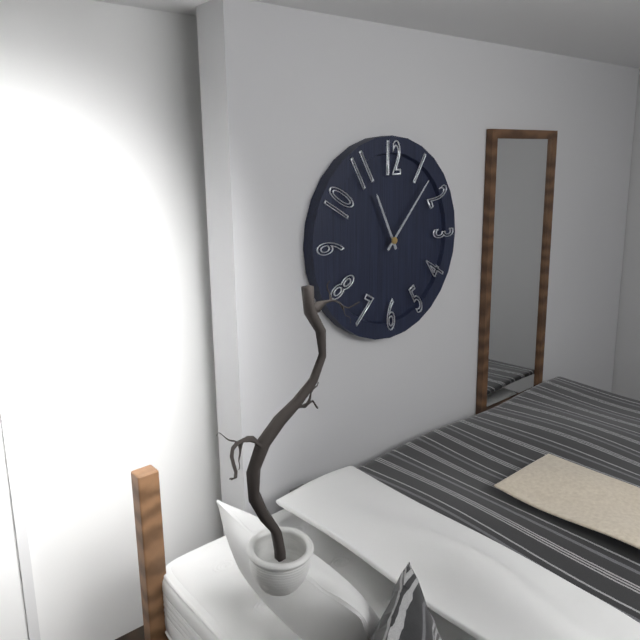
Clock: 11:07
